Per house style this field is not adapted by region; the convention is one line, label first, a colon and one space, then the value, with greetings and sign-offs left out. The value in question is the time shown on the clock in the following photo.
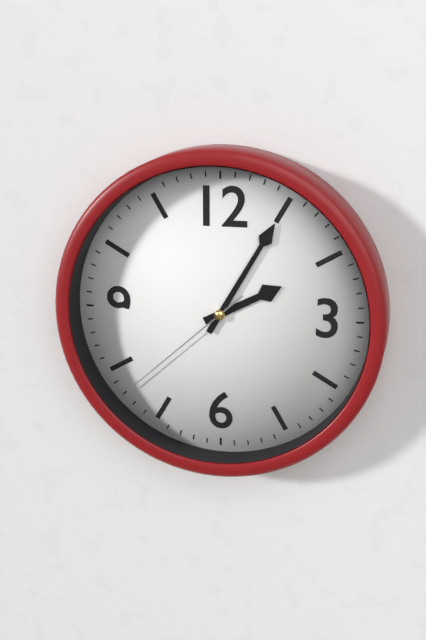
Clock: 2:05:38
